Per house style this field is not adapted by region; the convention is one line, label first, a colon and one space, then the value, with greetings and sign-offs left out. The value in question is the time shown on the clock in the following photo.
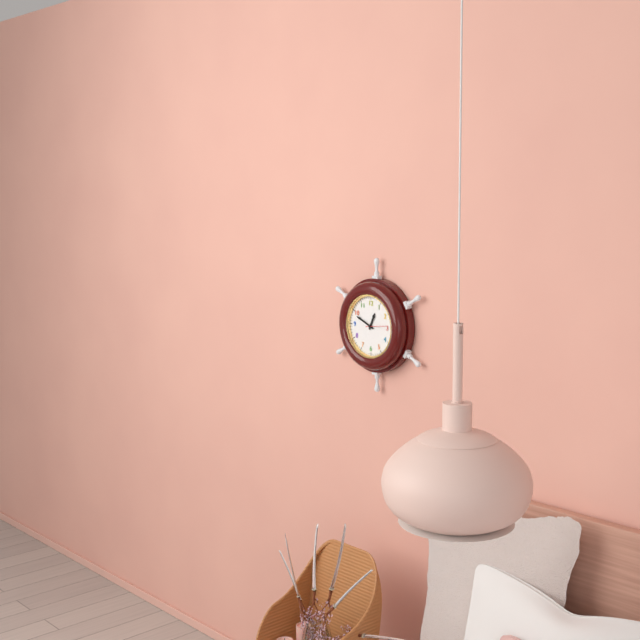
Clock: 12:49
